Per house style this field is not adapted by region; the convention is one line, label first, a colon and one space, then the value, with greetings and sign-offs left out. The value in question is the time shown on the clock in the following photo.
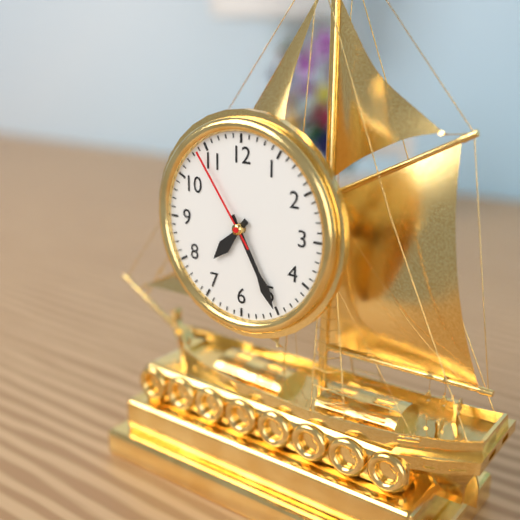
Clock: 7:25:54
